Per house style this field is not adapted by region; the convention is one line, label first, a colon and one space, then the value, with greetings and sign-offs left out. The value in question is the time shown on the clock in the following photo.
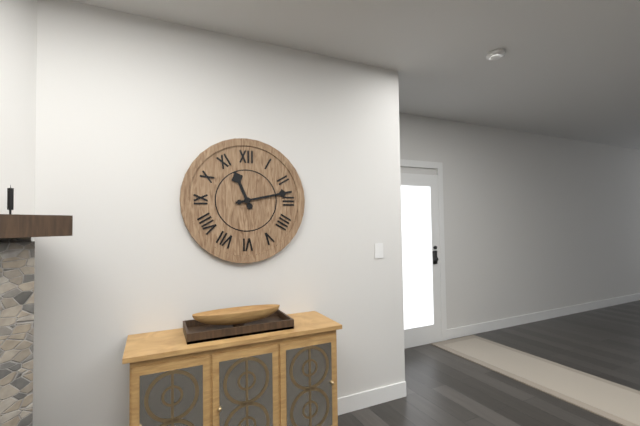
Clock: 11:13
